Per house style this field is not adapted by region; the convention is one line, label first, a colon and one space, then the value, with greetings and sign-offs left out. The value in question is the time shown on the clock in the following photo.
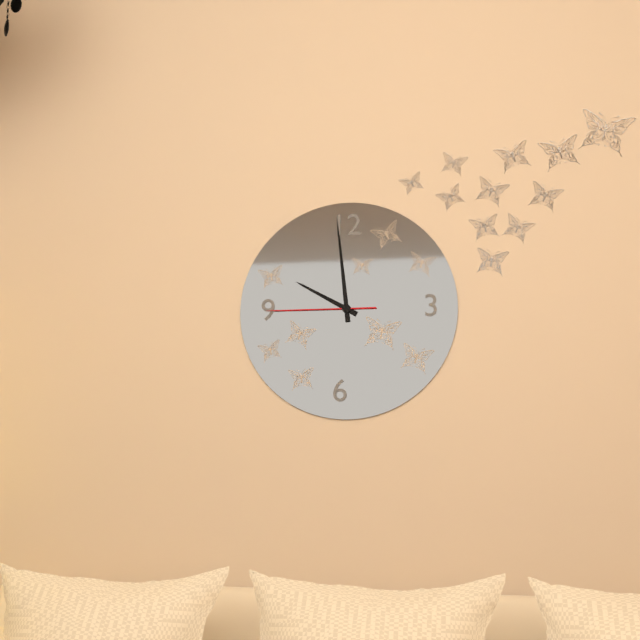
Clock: 9:59:45
